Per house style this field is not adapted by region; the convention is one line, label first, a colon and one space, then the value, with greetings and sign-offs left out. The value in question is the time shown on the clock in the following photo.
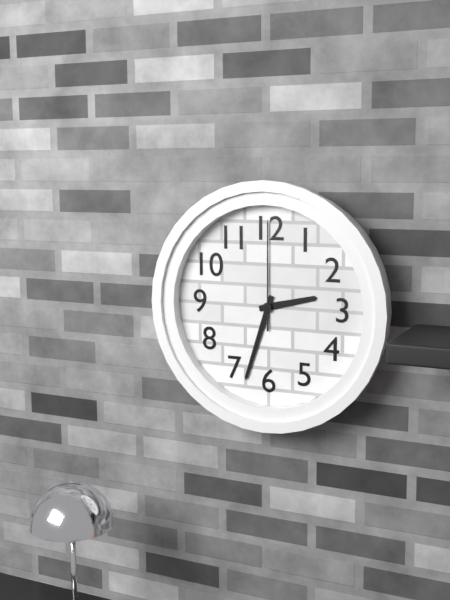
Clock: 2:33:00
